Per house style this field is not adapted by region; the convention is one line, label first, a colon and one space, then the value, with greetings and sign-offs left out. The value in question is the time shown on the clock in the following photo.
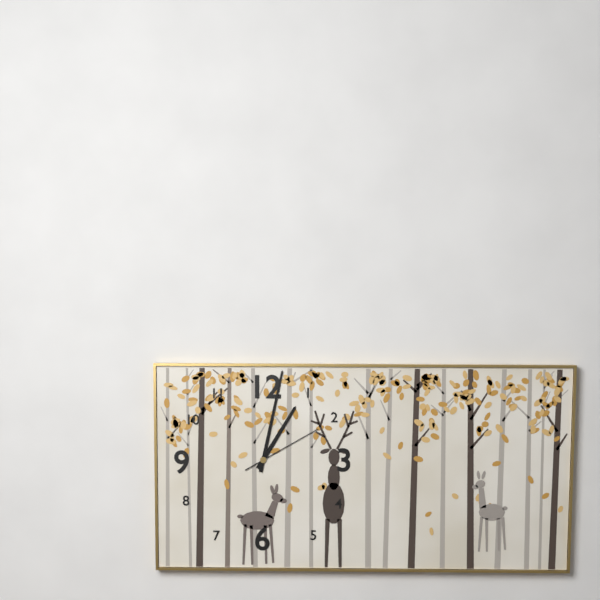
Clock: 1:02:10
